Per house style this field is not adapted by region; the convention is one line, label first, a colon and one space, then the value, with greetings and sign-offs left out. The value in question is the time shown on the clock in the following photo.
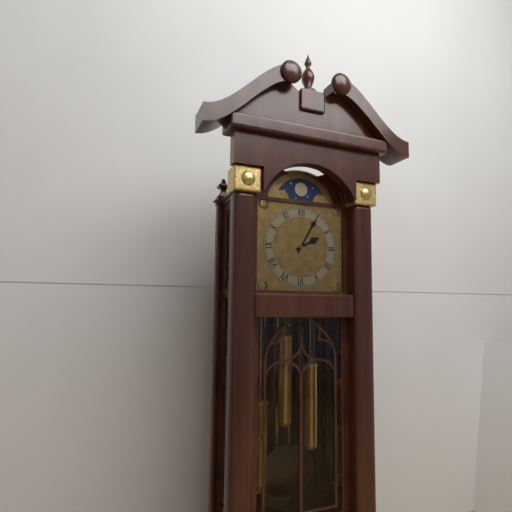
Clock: 2:05
